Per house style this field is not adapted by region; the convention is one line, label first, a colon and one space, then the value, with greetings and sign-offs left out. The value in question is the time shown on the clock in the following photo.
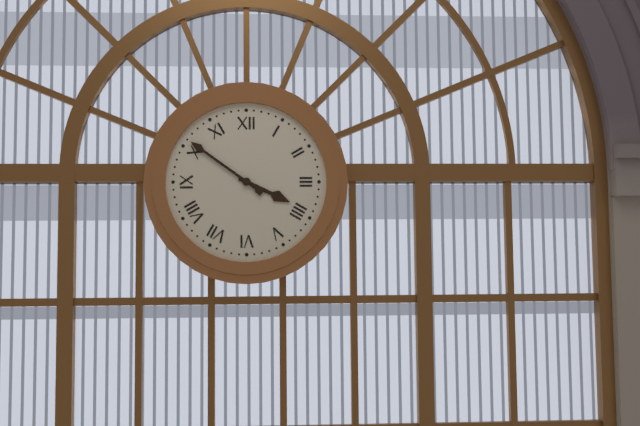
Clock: 3:51
